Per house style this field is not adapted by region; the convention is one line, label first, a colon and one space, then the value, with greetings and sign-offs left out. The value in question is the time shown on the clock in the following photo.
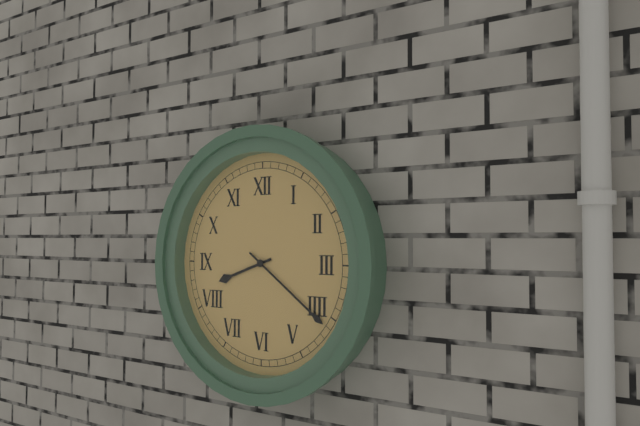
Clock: 8:21
